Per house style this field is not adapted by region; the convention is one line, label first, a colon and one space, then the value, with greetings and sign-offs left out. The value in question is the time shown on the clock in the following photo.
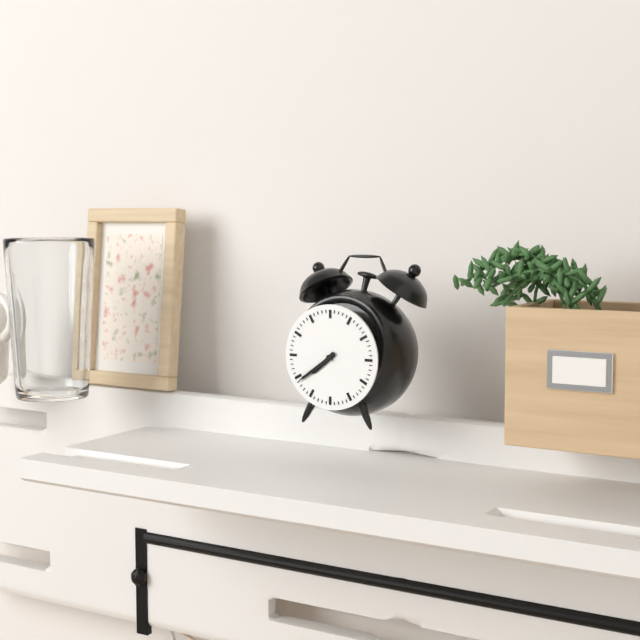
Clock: 7:39
